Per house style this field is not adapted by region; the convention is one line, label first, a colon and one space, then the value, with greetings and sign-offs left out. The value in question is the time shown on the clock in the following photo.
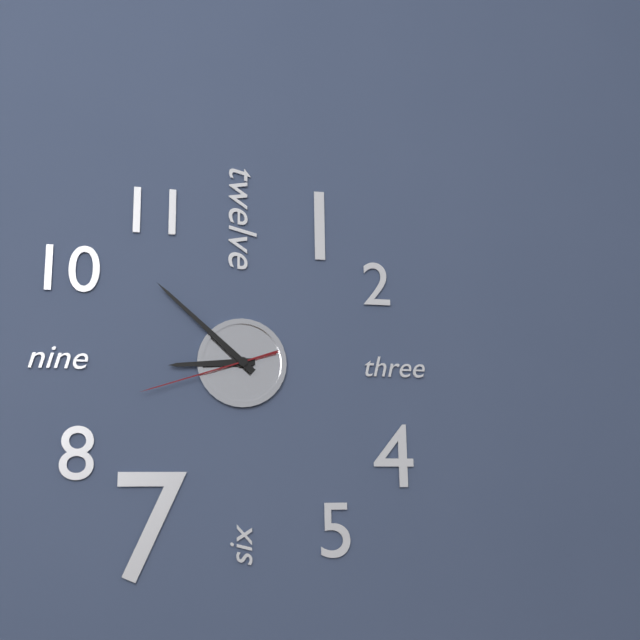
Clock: 8:52:42
